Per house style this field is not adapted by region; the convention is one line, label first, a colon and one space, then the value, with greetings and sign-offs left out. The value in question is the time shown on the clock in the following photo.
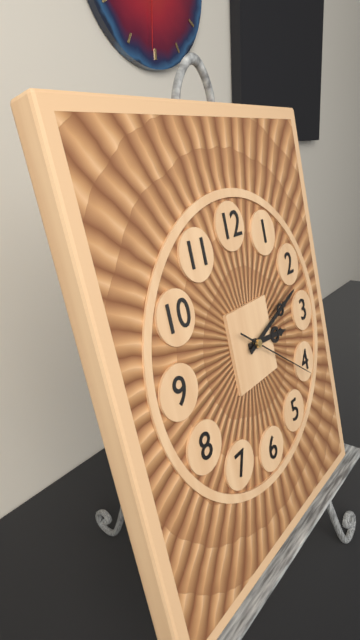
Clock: 3:12:21
